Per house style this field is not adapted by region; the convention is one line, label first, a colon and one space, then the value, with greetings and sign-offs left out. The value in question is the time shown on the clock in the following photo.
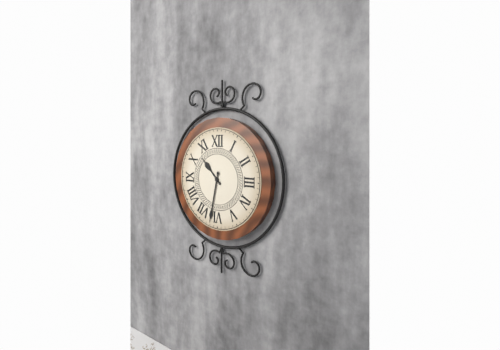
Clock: 10:32
